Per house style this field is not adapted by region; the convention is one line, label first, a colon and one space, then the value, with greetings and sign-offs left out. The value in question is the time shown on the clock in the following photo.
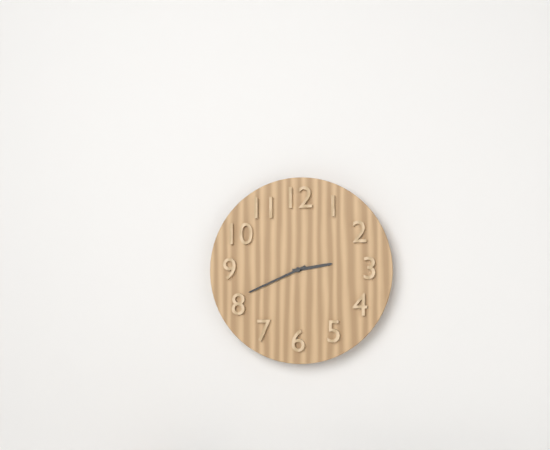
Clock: 2:41
